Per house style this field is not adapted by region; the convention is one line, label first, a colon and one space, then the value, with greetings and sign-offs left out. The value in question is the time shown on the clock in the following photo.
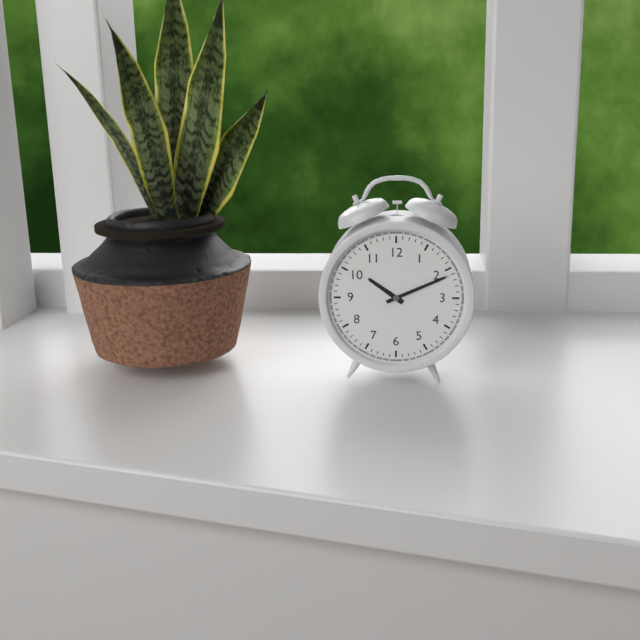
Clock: 10:11
